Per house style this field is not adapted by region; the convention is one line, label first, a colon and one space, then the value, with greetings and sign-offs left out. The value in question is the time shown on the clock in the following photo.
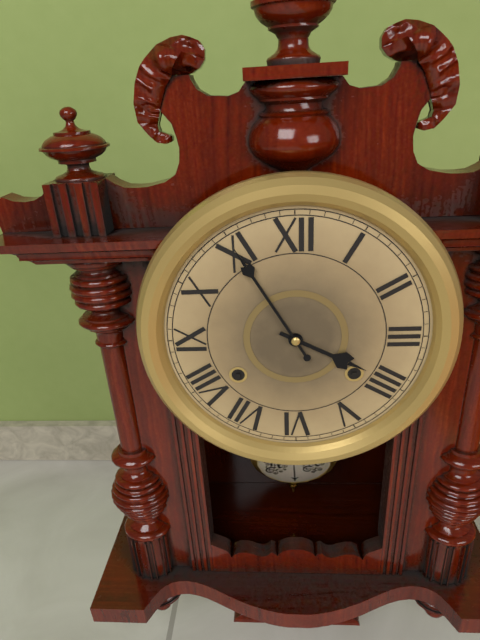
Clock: 3:55
